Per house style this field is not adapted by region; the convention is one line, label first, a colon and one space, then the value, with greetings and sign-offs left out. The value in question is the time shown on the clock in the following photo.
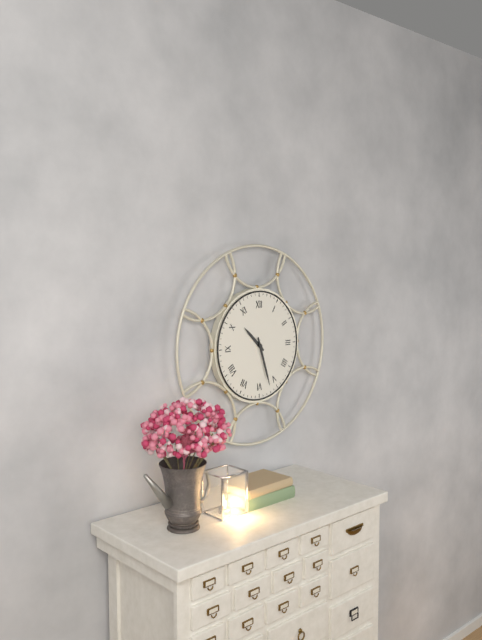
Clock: 10:27
